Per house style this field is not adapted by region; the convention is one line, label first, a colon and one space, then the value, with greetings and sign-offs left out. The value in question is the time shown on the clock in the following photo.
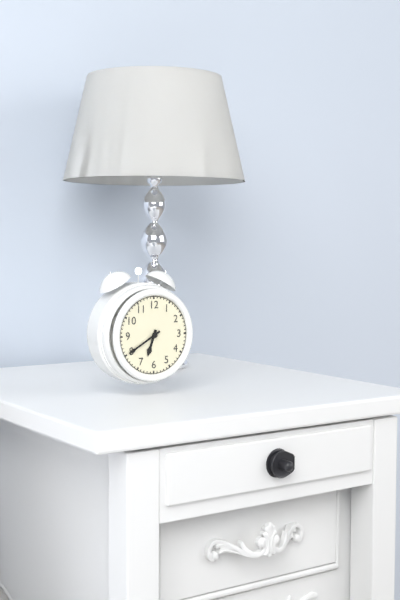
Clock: 6:40
